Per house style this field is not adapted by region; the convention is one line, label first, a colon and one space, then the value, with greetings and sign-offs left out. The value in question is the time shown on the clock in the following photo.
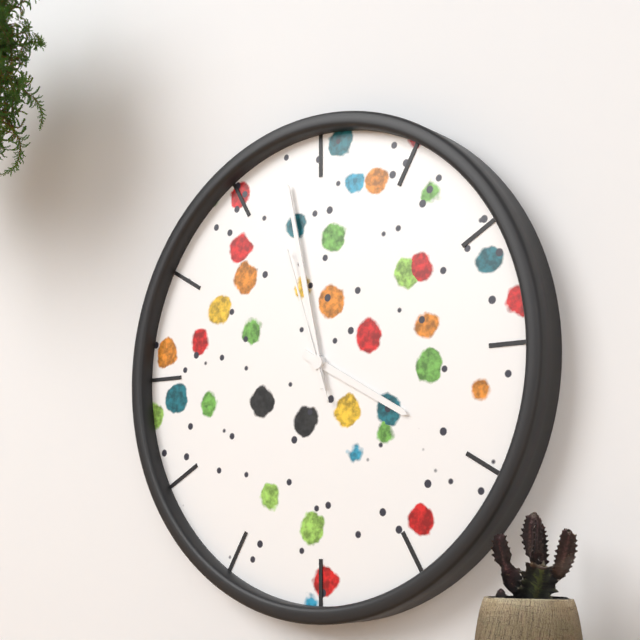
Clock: 3:58:57
